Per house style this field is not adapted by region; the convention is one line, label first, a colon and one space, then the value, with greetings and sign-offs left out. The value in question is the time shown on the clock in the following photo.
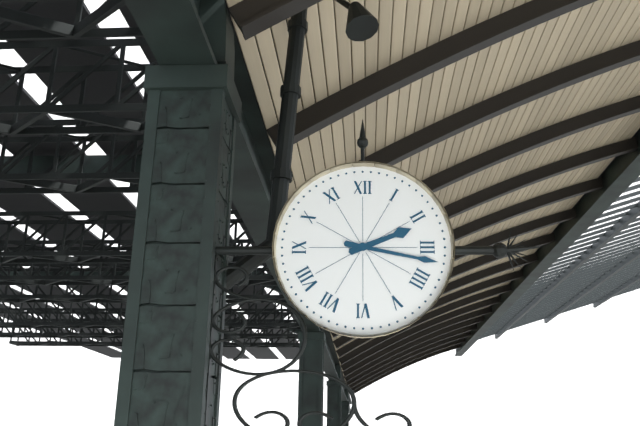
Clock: 2:17
